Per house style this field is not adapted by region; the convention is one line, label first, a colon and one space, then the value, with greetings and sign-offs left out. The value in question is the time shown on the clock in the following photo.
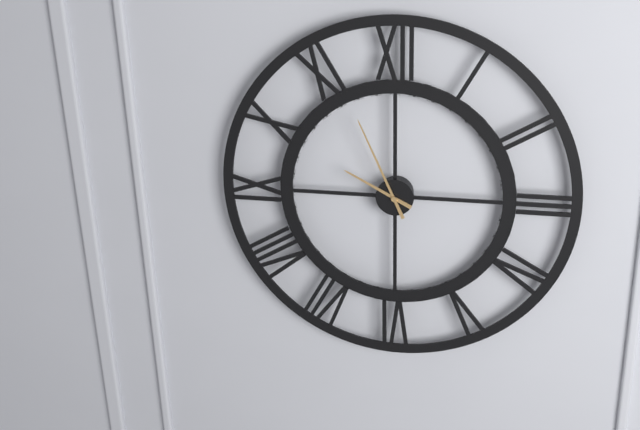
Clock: 9:56
